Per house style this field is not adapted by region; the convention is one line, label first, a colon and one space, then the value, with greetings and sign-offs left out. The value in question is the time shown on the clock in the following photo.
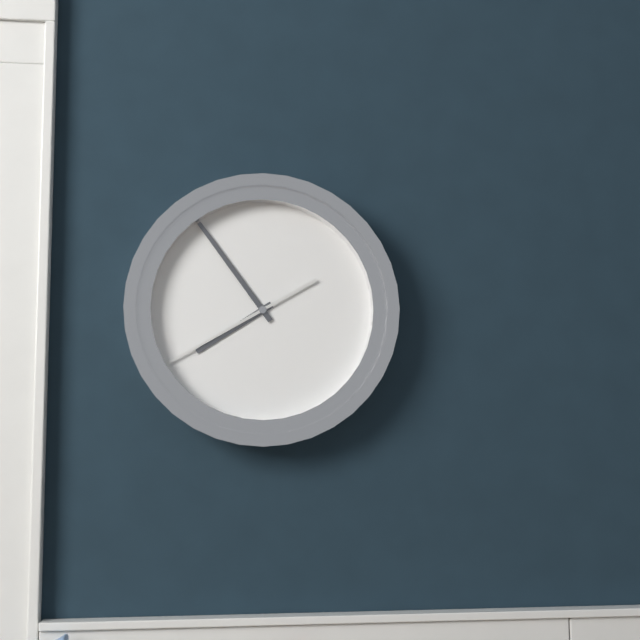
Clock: 7:54:40
